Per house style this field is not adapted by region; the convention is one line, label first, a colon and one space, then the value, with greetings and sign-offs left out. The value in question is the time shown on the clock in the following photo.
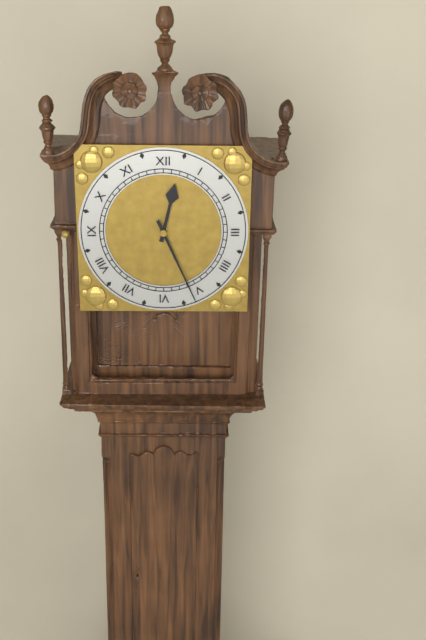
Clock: 12:26
